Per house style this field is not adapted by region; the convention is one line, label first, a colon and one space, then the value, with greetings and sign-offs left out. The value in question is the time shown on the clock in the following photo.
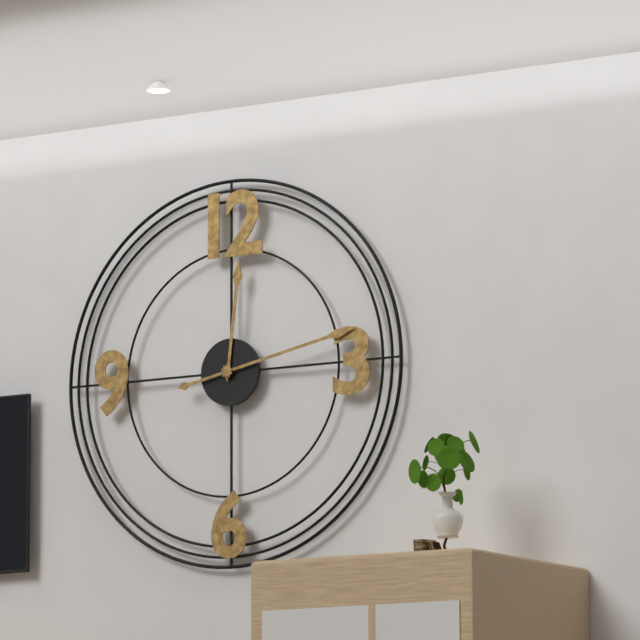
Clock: 12:13
